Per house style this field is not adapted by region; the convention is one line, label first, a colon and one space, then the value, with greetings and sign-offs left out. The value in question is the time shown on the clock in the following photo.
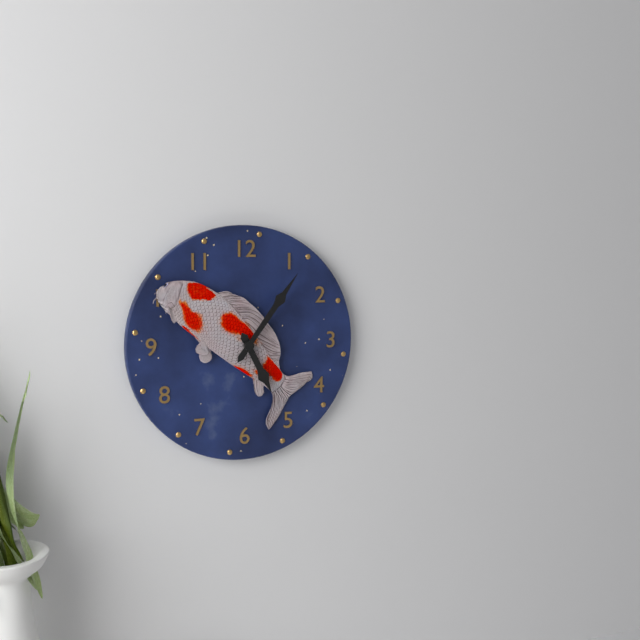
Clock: 5:06
